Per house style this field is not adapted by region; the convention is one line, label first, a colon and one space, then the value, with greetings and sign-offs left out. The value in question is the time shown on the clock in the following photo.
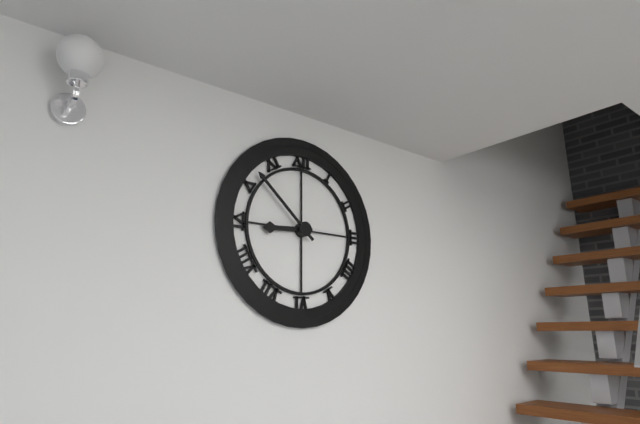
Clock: 8:52
